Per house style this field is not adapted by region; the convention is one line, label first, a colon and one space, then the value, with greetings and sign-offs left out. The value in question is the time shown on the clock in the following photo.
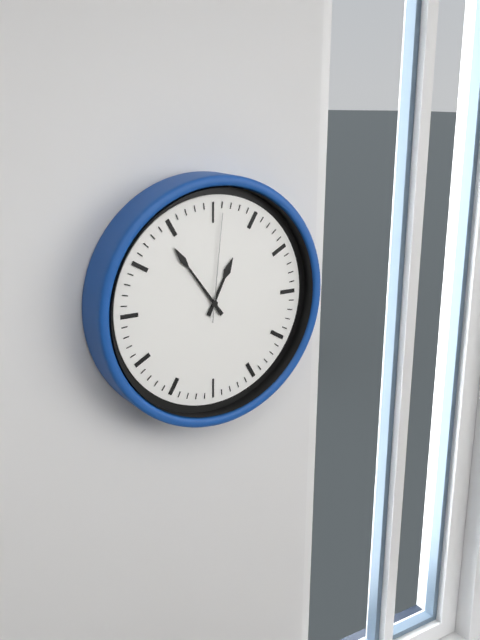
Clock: 12:54:01
